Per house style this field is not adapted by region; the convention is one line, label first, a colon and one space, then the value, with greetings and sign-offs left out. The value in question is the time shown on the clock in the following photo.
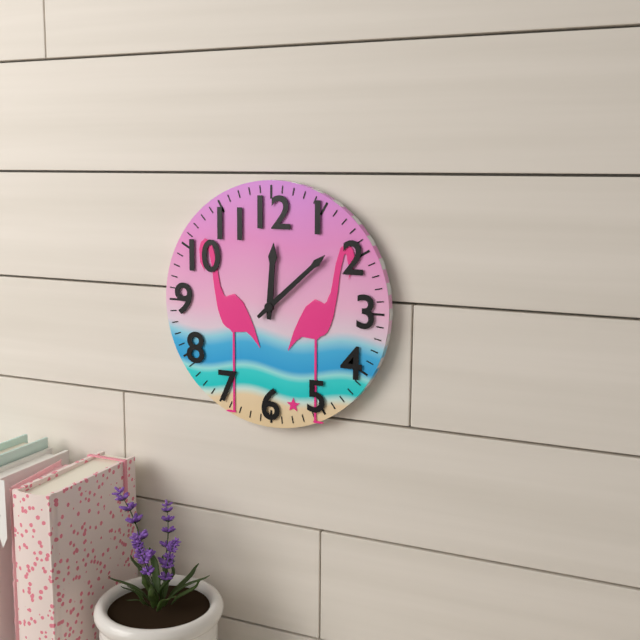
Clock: 12:08
